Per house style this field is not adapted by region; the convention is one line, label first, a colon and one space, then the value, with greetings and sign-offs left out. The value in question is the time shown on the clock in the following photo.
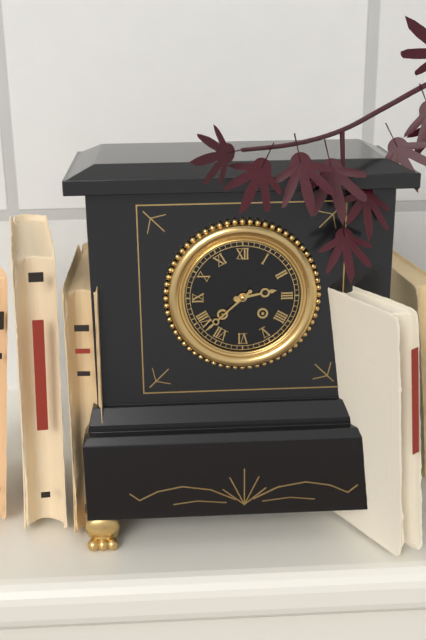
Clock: 2:38
